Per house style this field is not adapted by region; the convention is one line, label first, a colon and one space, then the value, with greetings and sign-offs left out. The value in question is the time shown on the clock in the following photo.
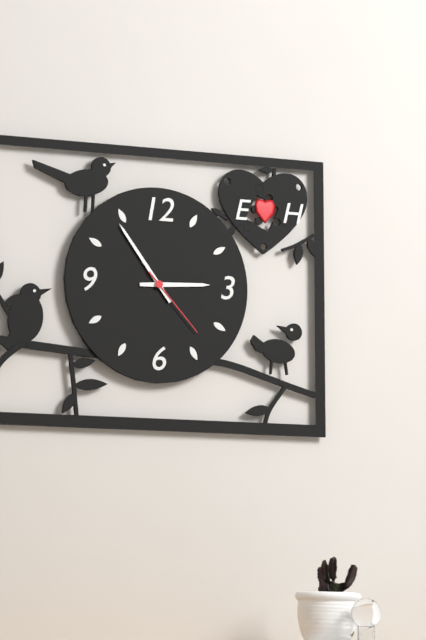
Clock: 2:54:23
